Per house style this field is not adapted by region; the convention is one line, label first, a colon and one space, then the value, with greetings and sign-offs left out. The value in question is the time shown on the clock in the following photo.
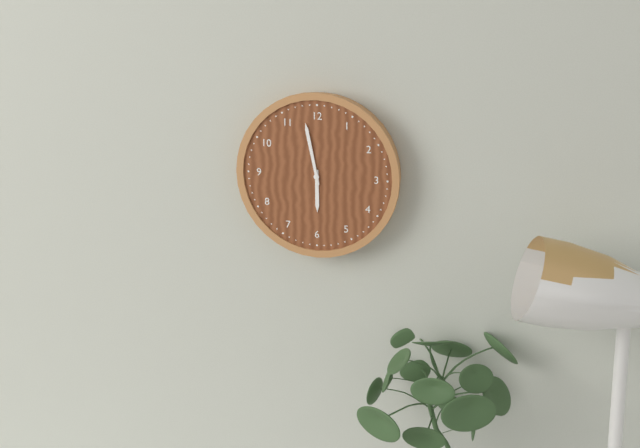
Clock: 5:58
